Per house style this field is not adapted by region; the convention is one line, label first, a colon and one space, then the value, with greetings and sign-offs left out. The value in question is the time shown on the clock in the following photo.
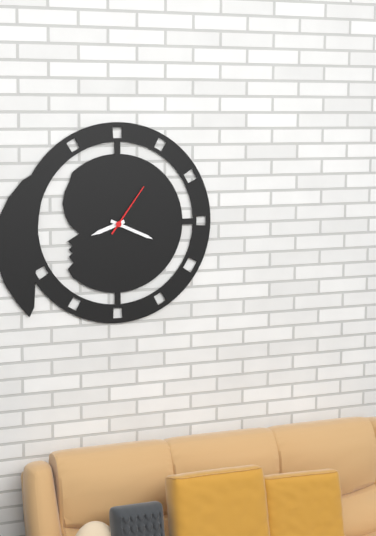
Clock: 8:19:06
